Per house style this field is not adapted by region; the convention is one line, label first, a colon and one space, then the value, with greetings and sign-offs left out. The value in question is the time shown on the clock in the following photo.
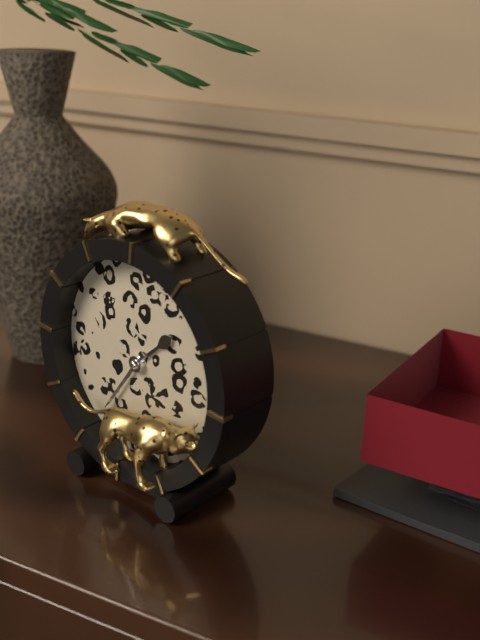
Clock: 1:36
